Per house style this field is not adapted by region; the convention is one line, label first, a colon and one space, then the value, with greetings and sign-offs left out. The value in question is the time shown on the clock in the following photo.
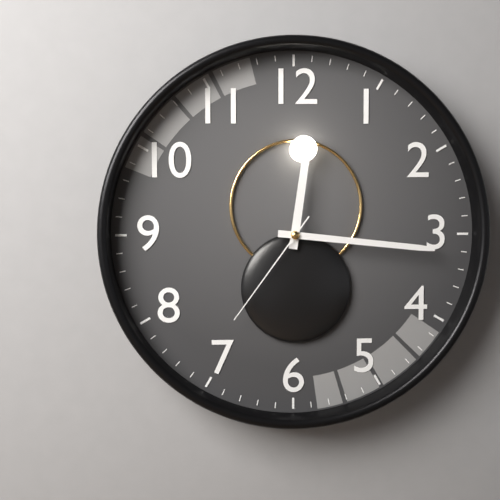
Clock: 12:16:36
